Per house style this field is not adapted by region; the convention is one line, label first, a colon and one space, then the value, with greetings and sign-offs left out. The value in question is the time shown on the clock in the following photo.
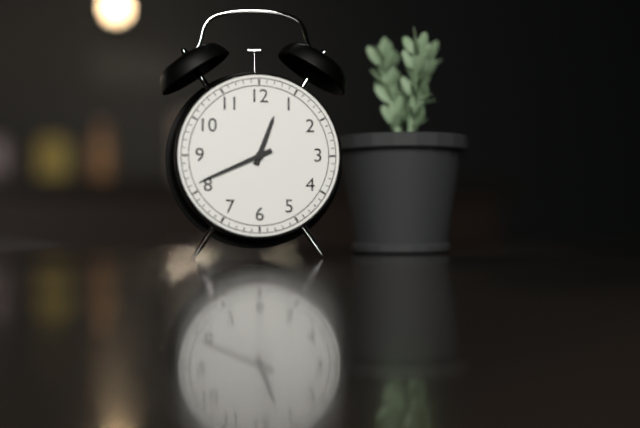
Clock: 12:41
